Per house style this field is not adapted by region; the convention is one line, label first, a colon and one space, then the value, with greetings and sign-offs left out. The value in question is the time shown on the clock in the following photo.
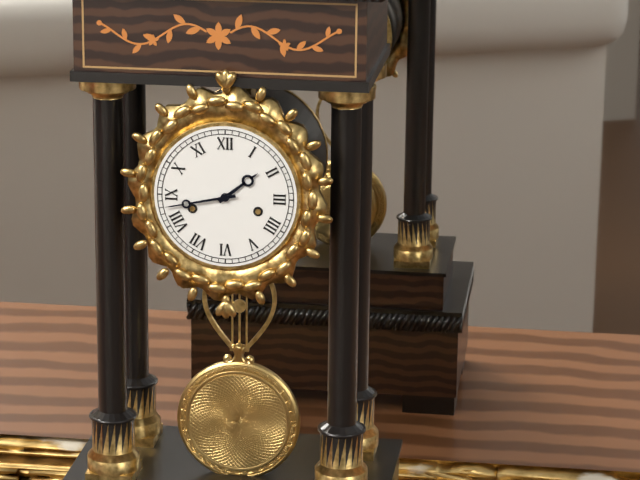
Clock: 1:43
